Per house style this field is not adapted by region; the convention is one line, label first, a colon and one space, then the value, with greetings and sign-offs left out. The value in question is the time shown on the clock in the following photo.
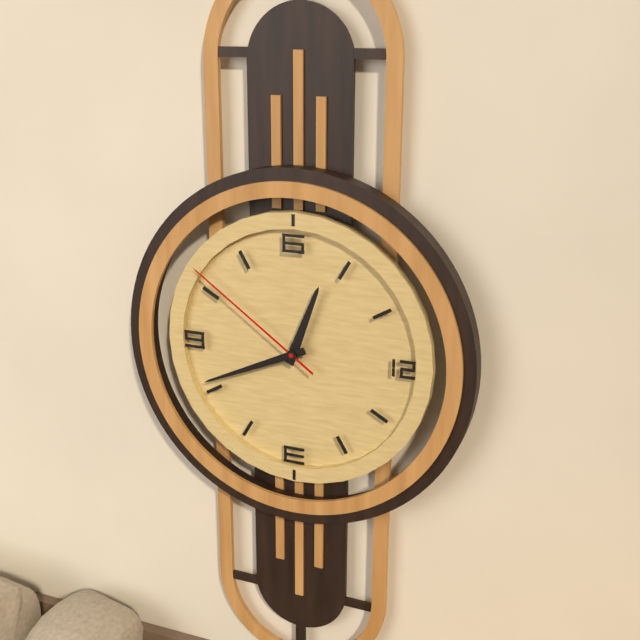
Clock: 12:41:51
